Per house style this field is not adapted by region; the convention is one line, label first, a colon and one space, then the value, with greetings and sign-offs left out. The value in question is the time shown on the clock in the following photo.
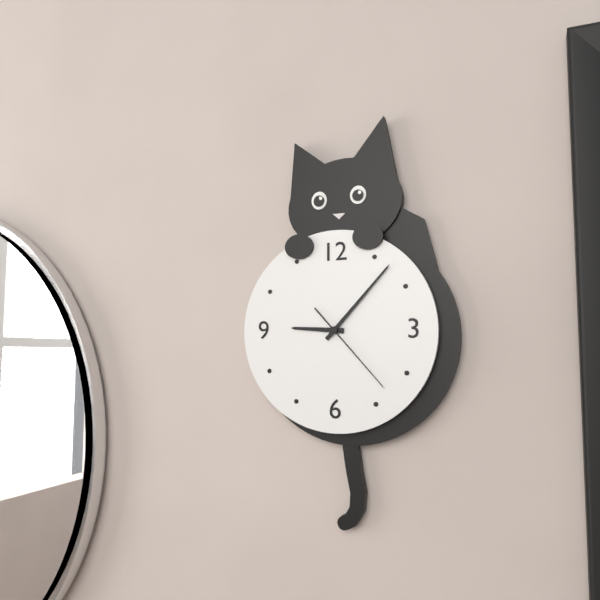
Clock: 9:07:23
